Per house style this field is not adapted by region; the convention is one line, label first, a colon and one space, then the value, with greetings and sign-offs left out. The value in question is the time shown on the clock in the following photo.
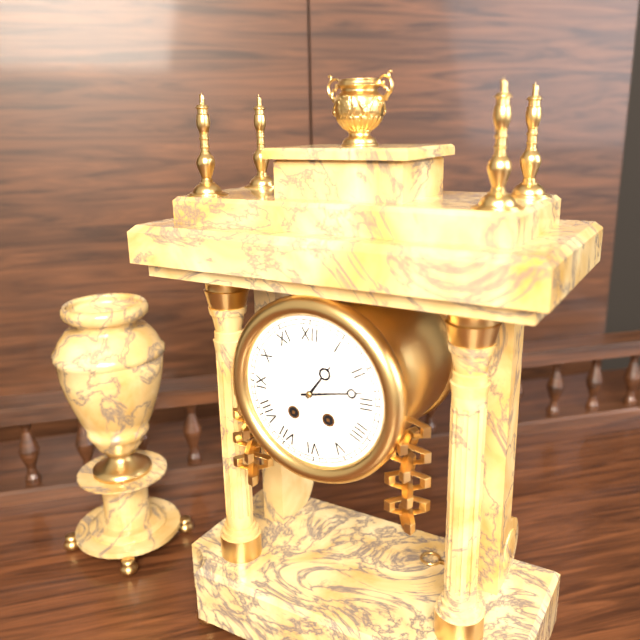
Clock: 1:13
